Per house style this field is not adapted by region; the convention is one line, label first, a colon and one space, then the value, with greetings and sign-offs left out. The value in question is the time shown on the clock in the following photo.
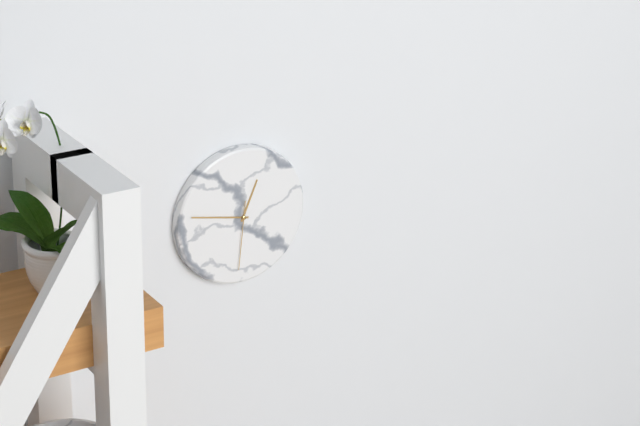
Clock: 12:47:31
